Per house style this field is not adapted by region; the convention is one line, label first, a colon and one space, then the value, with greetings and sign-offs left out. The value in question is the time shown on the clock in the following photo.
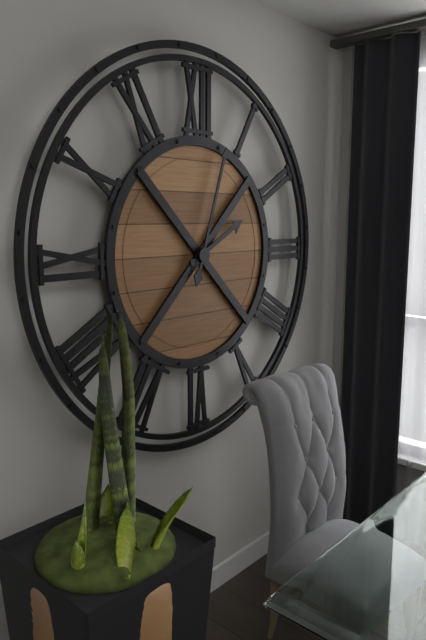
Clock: 2:03
